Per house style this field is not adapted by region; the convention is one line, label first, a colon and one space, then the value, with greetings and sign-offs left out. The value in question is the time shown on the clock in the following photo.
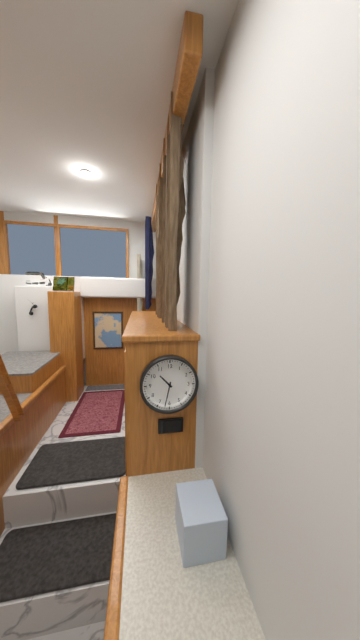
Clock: 10:32
